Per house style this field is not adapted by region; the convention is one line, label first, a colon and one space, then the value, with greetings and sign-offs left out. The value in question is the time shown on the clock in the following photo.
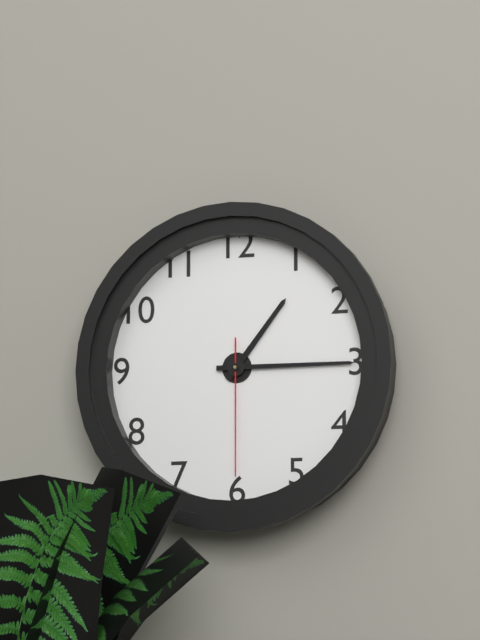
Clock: 1:15:30
